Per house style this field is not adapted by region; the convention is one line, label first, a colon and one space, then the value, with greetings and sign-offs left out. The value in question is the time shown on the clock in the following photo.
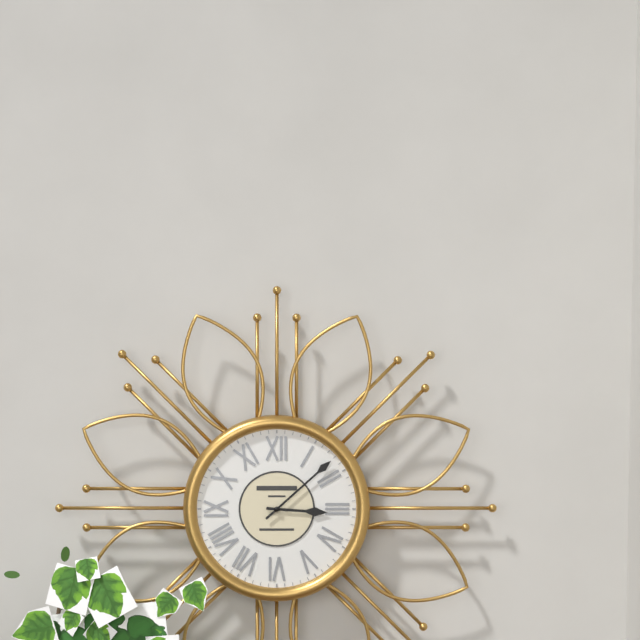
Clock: 3:08
